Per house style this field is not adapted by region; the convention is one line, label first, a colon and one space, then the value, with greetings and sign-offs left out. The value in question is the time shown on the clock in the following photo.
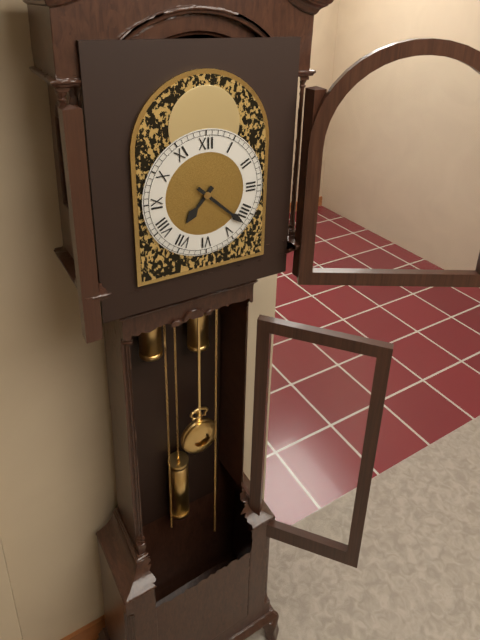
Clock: 7:22
